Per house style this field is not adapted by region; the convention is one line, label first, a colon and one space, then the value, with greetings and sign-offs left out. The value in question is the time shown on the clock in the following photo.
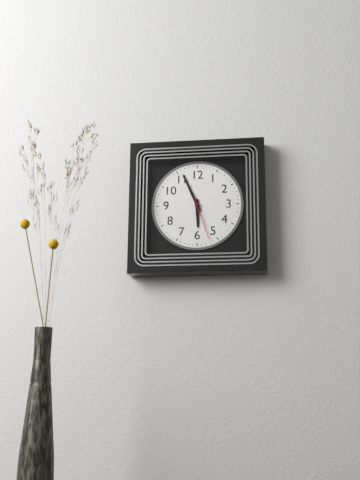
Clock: 5:56
